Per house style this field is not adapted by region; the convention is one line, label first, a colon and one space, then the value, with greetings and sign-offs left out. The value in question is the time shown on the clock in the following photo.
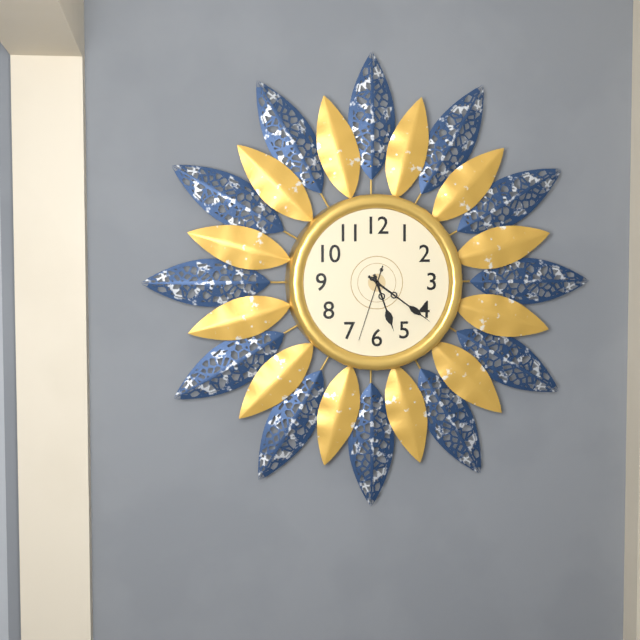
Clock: 5:21:33
